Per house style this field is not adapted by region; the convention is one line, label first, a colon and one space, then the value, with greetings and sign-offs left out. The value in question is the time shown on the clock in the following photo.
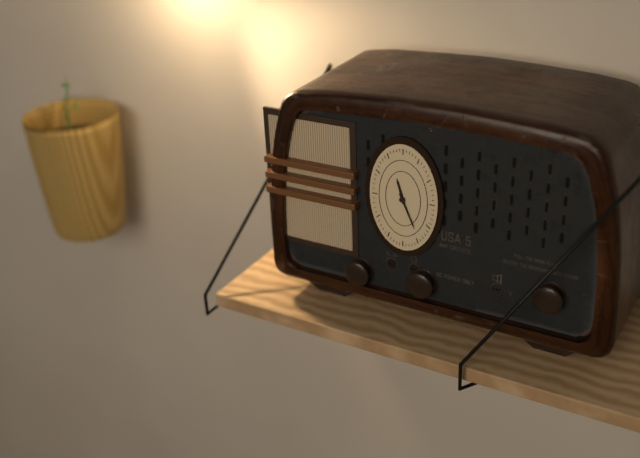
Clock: 11:26
